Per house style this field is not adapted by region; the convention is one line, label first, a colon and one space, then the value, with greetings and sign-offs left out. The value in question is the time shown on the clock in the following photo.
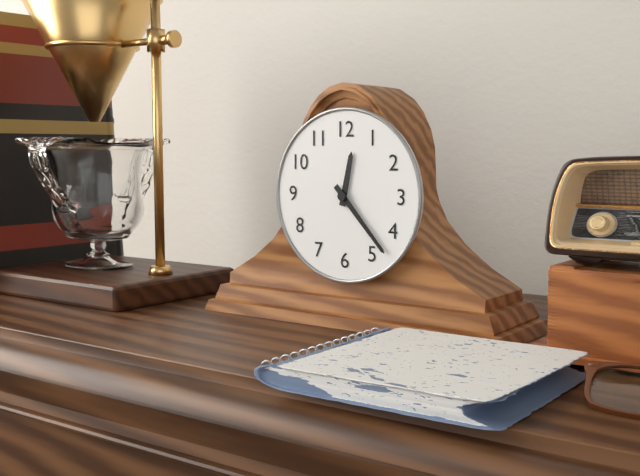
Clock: 12:23
